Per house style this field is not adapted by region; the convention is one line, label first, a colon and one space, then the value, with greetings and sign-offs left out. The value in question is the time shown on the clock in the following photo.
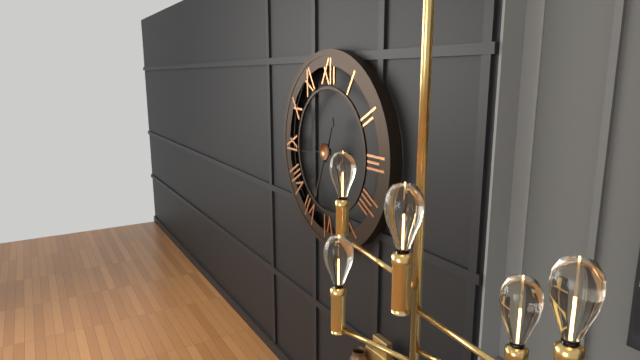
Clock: 12:34
